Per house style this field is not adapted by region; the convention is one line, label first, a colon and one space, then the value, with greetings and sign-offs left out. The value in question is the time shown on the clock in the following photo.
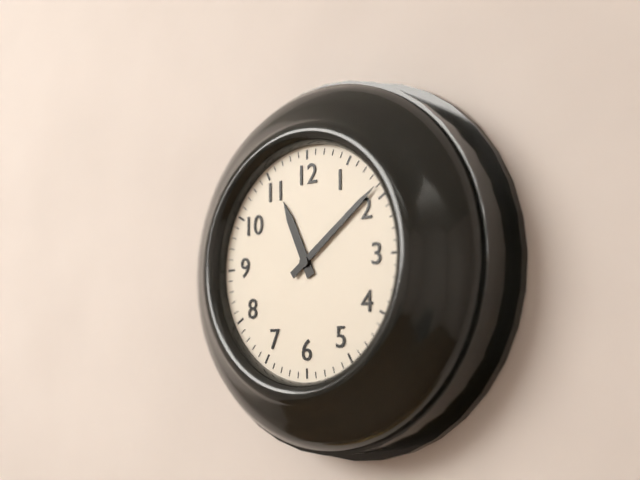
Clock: 11:09
